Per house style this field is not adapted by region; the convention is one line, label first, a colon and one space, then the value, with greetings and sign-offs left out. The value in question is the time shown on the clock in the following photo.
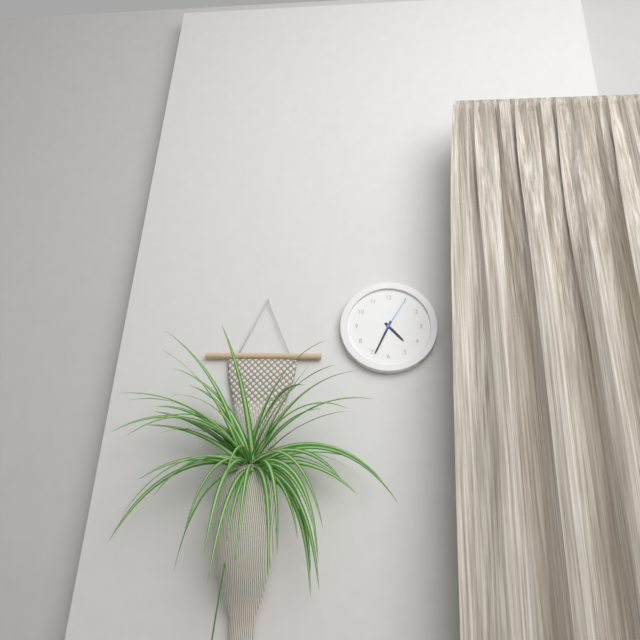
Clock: 4:34
